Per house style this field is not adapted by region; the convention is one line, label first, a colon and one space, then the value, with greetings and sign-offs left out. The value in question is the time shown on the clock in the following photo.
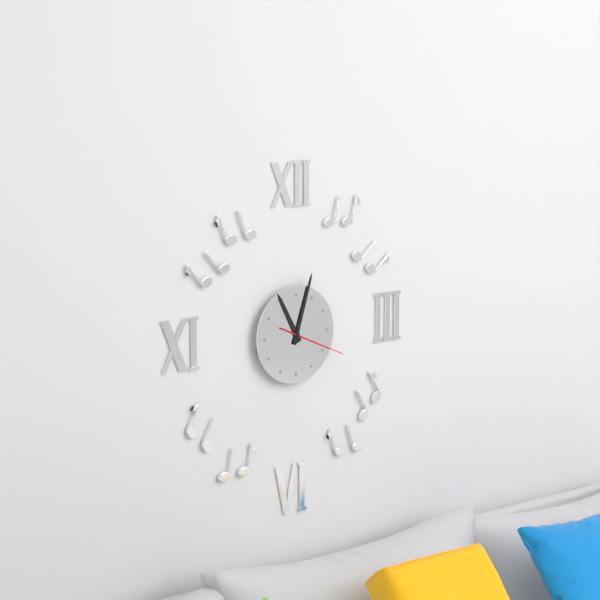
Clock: 11:03:19
